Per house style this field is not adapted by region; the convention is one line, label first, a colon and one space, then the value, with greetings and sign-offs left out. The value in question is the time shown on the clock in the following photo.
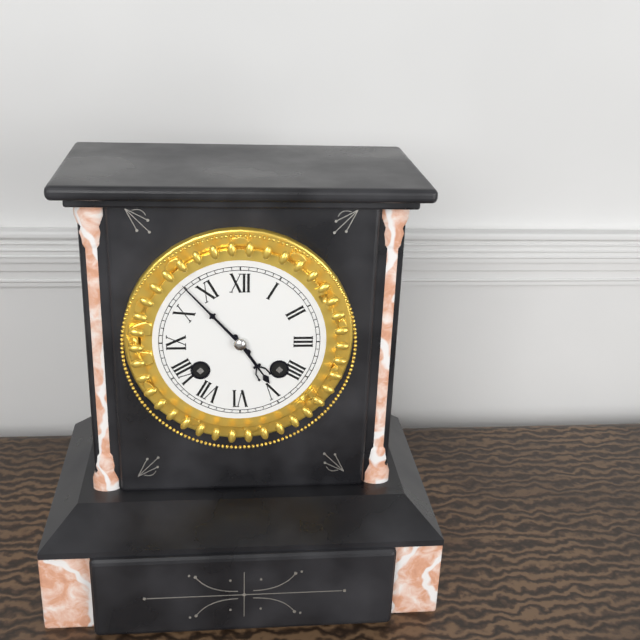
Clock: 4:53
